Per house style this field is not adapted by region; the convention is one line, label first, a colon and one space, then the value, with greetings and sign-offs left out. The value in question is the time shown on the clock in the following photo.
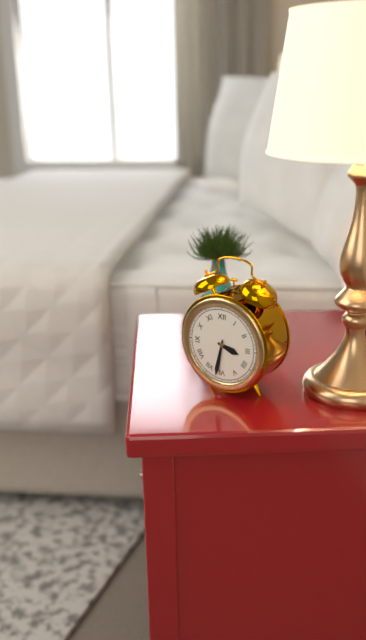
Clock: 3:32
